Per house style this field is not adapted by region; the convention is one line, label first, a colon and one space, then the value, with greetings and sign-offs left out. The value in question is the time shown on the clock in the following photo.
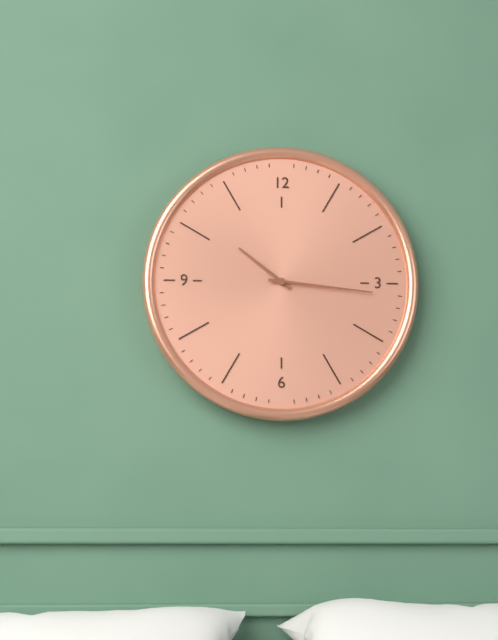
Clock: 10:16
